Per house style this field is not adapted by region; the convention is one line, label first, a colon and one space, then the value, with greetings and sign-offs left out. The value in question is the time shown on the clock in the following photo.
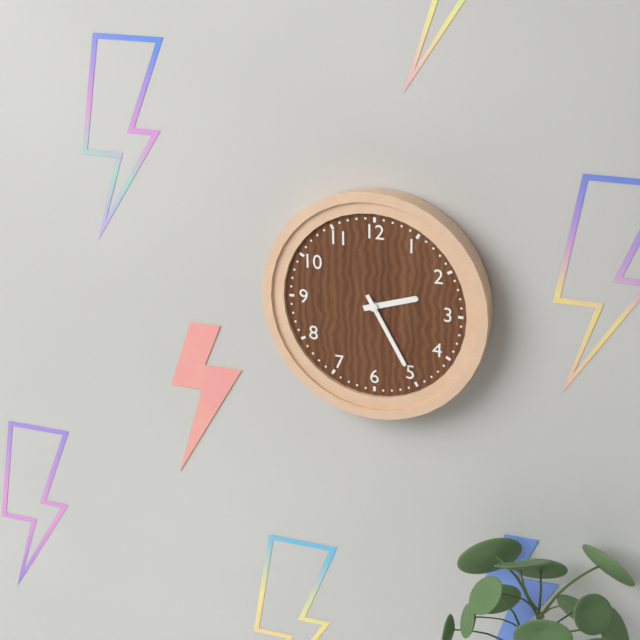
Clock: 2:25
